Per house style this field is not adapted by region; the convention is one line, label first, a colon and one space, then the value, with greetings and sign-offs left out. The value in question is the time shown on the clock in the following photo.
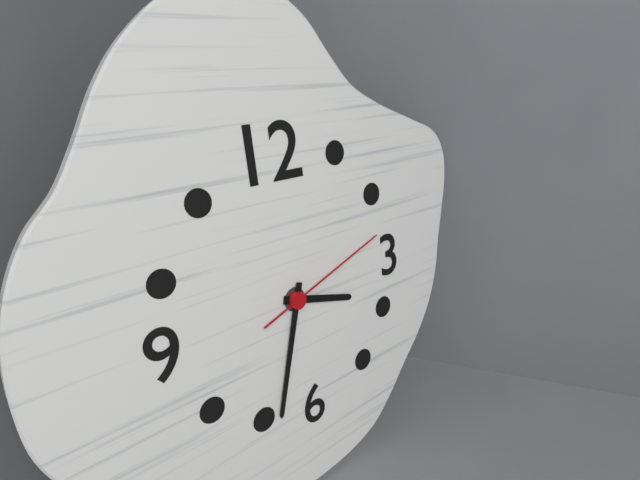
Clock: 3:33:12
